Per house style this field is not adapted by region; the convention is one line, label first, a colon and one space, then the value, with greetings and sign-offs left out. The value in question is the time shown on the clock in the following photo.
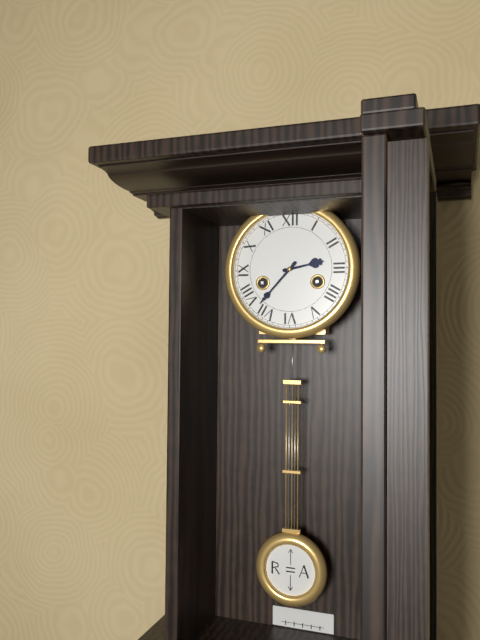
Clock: 2:37
